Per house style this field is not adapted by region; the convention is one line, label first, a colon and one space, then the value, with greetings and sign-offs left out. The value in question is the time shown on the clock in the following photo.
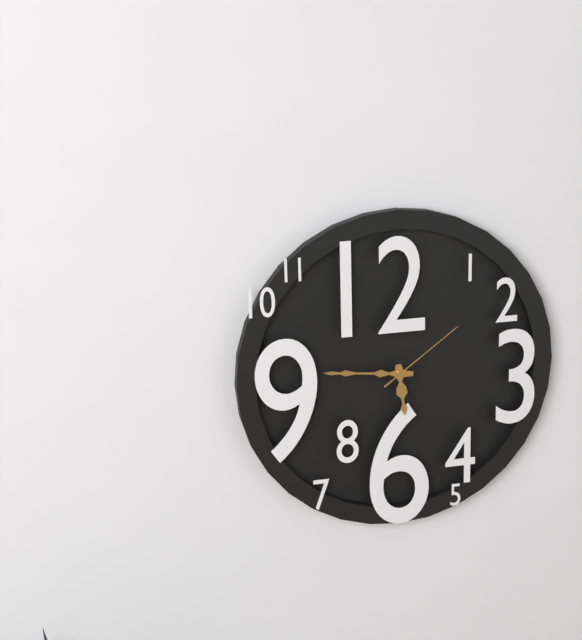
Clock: 5:46:09
